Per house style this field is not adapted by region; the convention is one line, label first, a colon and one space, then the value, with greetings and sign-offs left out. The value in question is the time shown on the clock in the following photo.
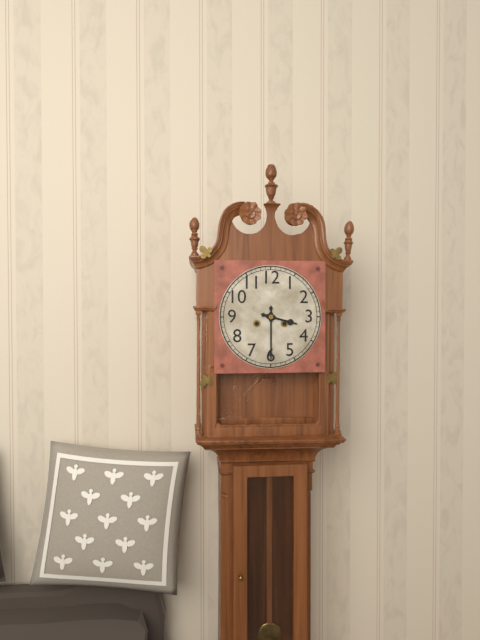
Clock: 3:30
